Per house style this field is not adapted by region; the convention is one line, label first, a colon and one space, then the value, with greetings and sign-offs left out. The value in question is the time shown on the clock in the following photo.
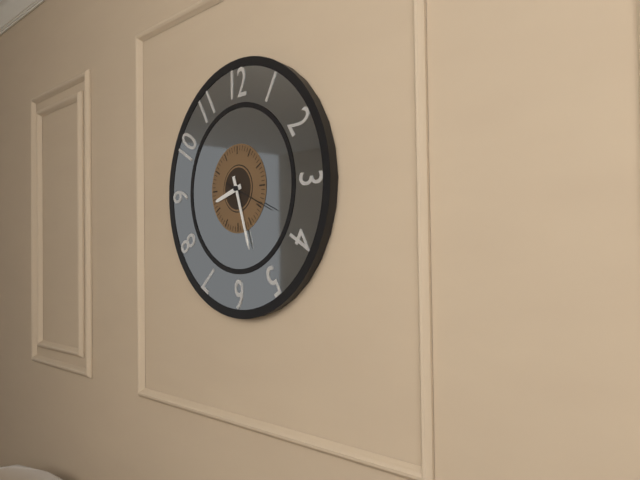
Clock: 8:27:19
